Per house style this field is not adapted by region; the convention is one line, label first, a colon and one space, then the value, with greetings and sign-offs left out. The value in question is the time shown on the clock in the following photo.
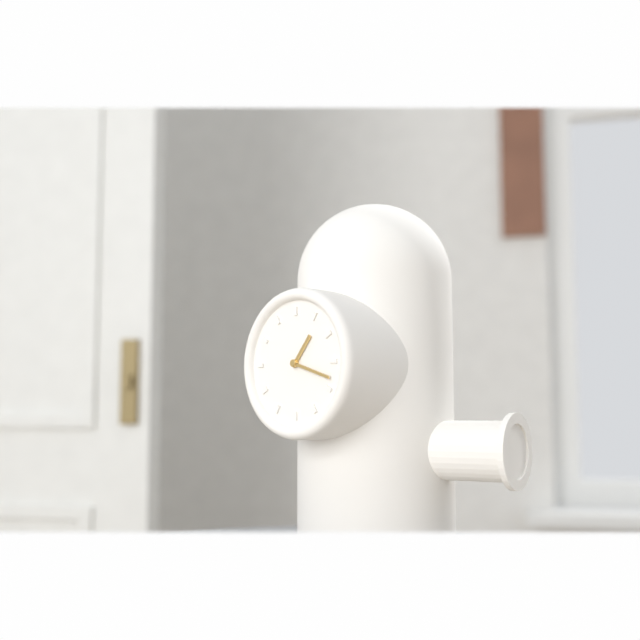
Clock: 1:18
